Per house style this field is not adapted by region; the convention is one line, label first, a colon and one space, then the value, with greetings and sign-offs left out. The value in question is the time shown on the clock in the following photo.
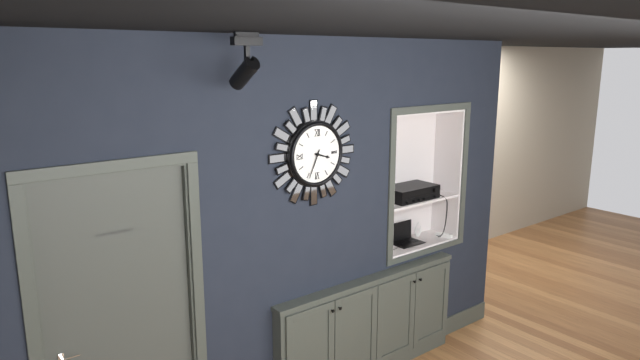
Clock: 3:34
